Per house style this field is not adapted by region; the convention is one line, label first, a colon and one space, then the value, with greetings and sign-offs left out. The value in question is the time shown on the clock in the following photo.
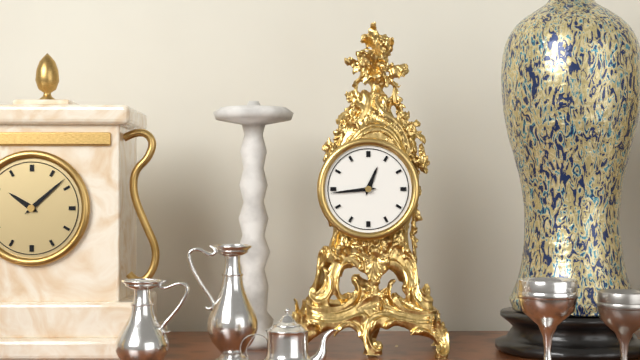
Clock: 12:44
